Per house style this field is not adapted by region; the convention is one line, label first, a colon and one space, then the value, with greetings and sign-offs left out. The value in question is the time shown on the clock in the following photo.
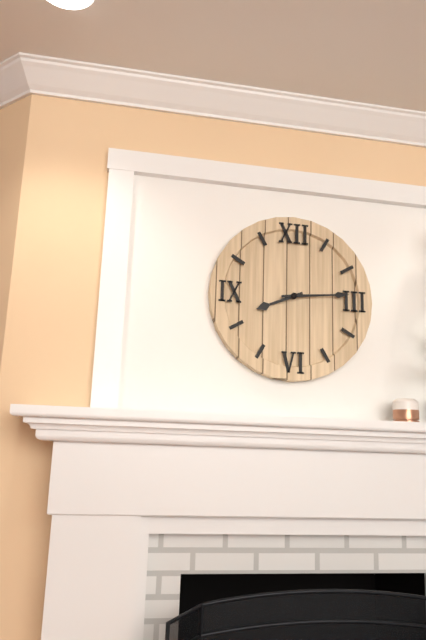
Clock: 8:14
